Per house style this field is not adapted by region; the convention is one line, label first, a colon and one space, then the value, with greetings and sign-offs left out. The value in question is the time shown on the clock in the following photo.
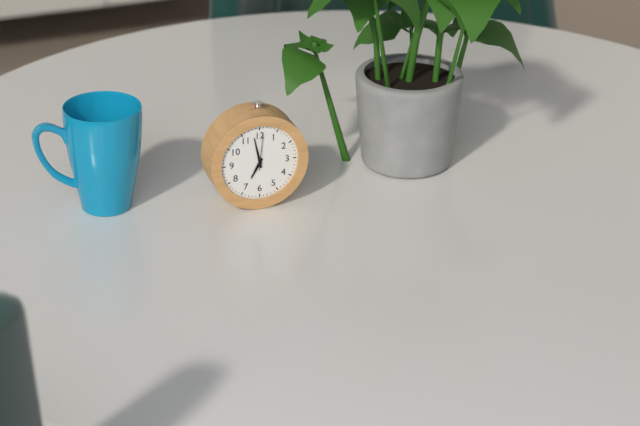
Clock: 6:58
